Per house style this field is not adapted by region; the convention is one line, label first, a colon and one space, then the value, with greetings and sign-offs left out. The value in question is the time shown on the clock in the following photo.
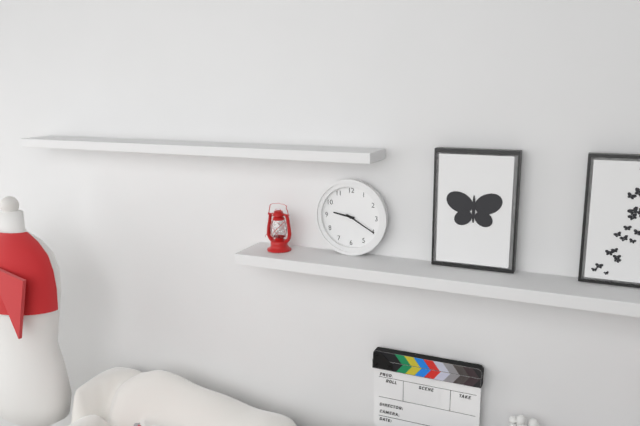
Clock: 9:20
